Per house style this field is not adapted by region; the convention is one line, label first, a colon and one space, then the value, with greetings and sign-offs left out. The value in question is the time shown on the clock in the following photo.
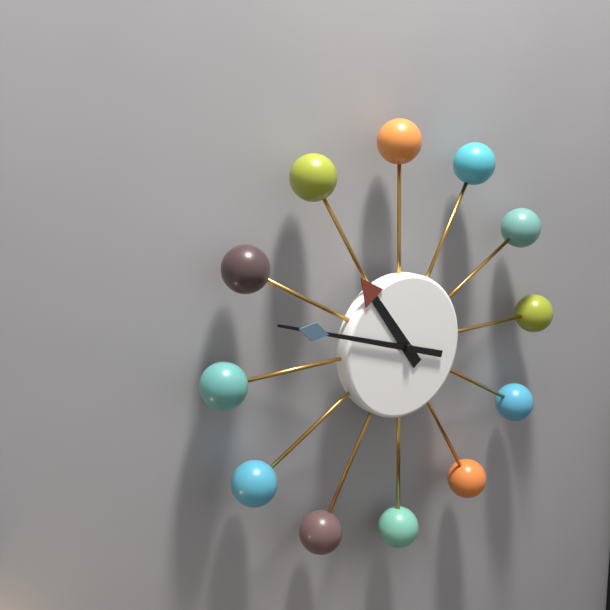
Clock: 10:48
